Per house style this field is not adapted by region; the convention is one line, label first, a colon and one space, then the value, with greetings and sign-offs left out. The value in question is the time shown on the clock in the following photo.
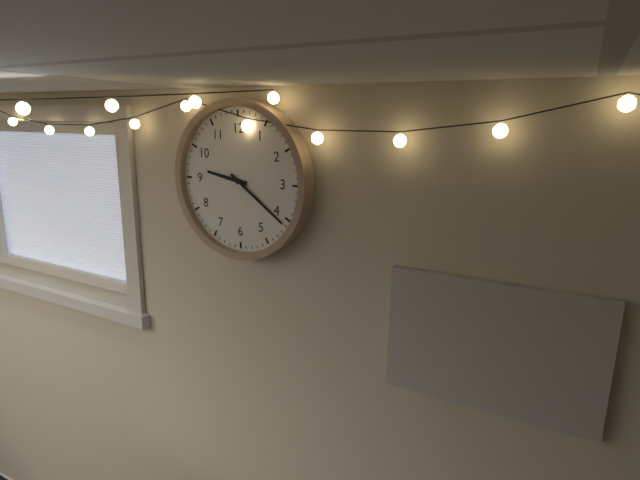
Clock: 9:21
